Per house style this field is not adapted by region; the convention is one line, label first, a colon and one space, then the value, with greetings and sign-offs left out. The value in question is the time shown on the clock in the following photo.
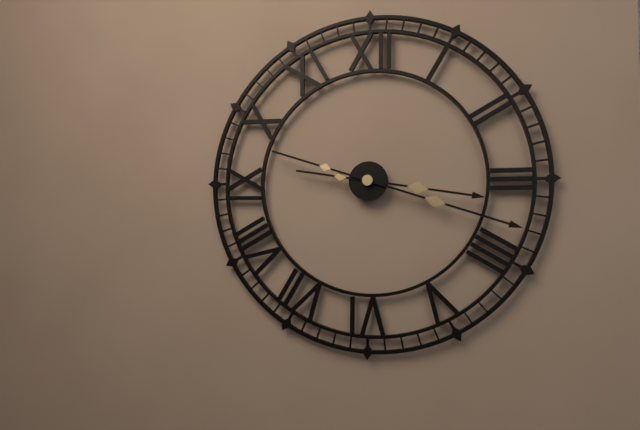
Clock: 3:18
